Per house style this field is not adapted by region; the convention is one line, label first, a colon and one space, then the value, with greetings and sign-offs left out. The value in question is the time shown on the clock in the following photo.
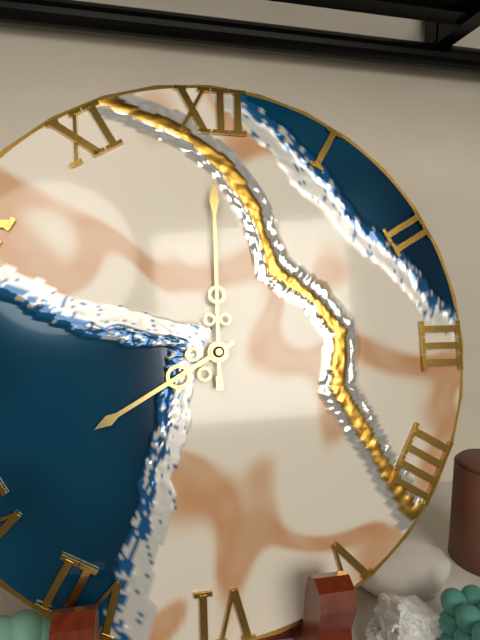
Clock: 8:00
